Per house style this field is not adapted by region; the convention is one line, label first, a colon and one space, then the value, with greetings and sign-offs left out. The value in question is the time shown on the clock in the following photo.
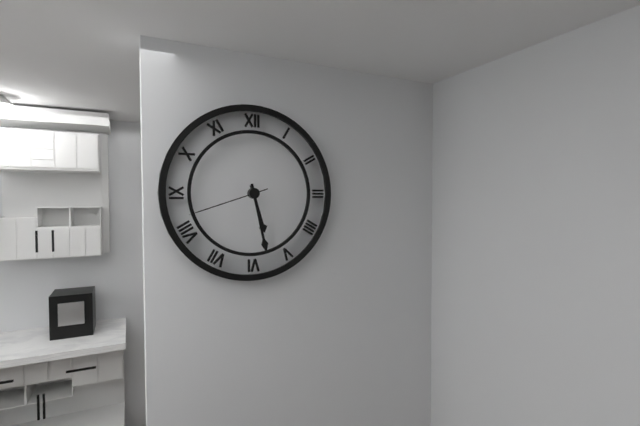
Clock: 5:28:42
